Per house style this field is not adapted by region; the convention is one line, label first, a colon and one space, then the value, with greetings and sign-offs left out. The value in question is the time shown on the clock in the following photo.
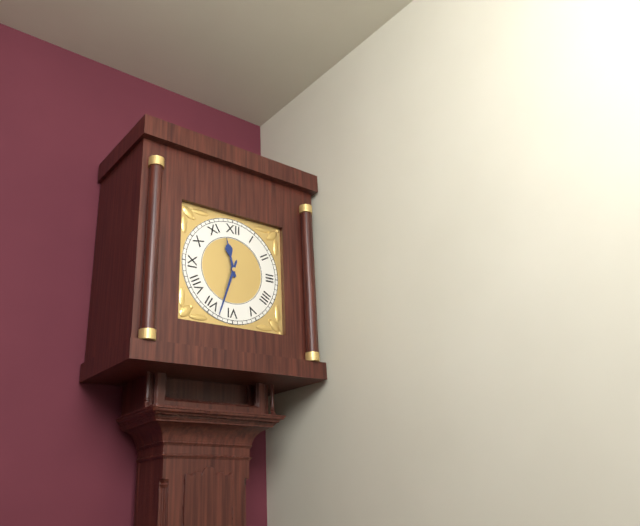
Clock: 11:33
